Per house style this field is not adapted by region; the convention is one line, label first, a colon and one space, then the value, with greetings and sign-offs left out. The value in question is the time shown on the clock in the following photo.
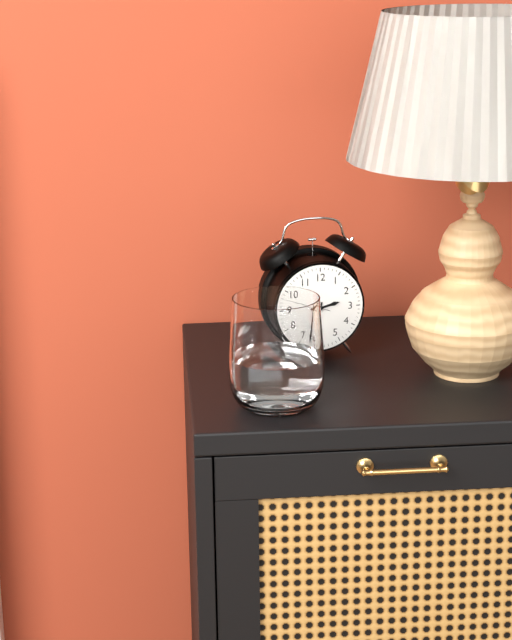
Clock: 2:32
